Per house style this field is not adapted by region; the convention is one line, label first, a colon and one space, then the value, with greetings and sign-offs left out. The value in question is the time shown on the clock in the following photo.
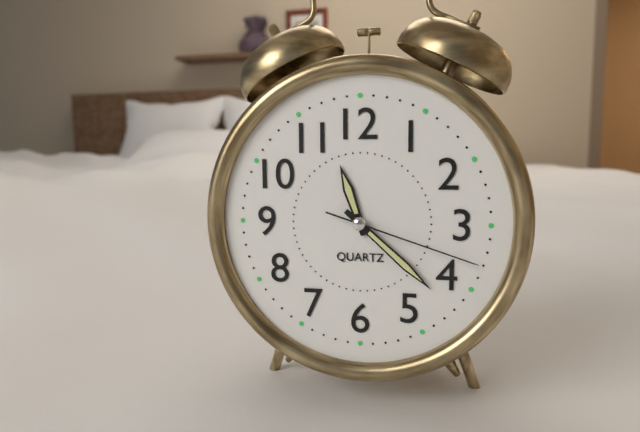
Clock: 11:22:18
